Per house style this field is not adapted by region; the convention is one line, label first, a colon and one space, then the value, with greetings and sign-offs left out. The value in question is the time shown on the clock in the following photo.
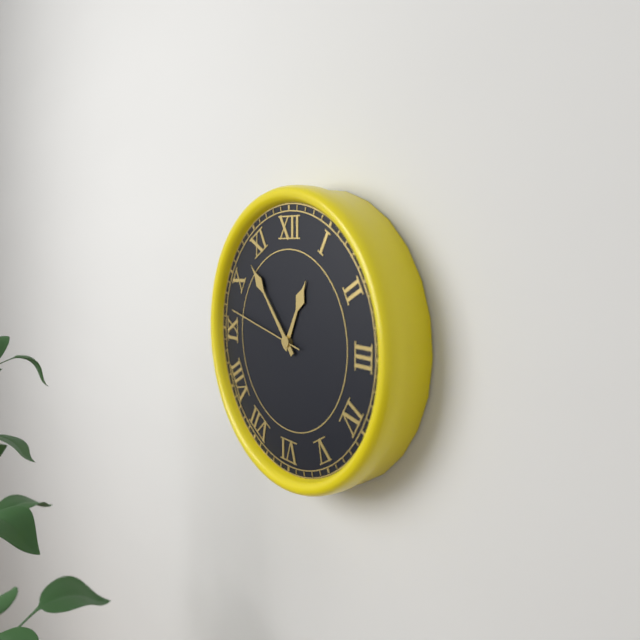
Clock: 12:53:47
